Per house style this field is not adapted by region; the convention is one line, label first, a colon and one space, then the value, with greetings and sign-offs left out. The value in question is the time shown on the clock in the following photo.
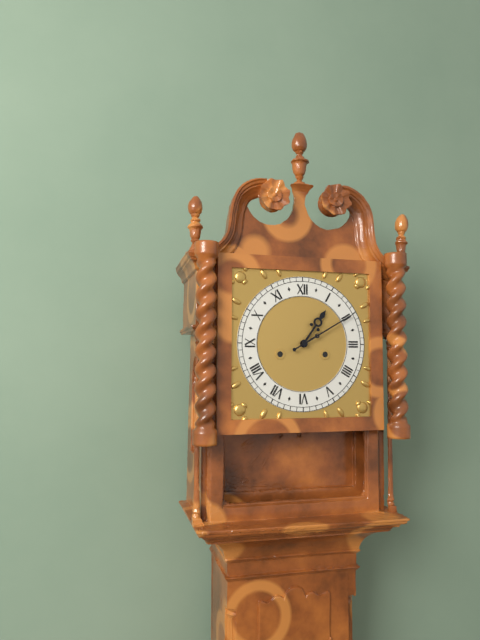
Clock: 1:10
